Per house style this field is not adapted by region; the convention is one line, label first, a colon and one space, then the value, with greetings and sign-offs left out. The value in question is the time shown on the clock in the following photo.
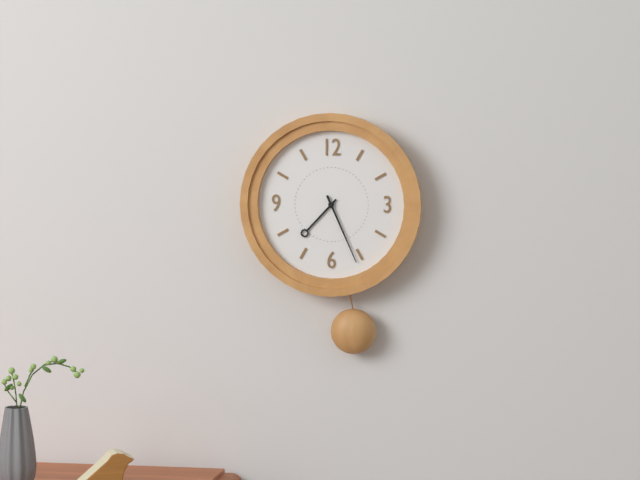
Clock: 7:26
